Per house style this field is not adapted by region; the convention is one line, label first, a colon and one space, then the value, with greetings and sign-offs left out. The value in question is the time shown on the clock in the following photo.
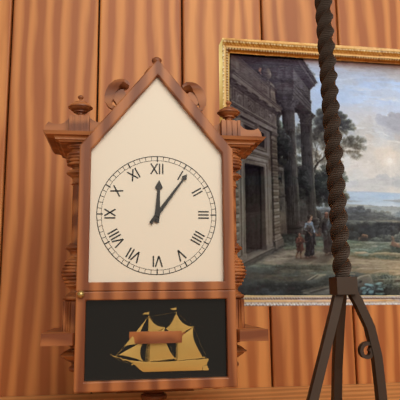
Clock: 12:06
